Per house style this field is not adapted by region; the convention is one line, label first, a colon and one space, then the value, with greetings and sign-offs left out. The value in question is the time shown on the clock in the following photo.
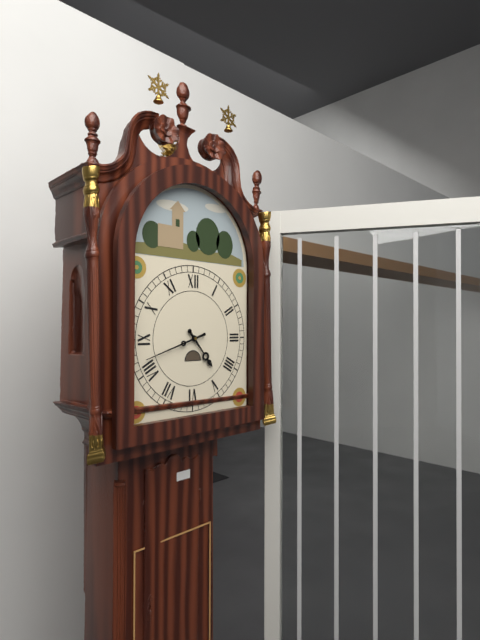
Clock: 4:42
